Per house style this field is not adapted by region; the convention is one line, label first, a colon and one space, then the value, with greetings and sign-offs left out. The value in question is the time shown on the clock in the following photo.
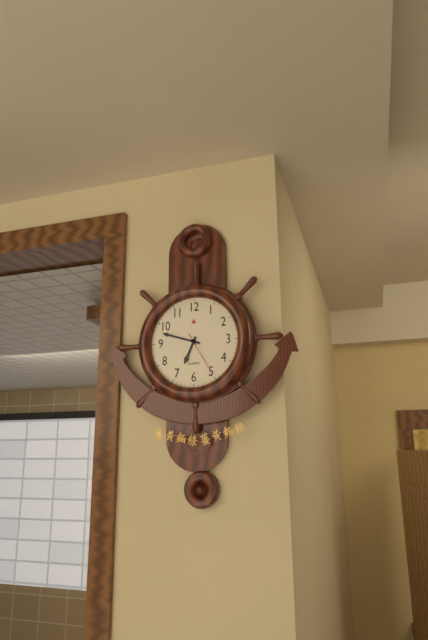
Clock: 6:48
